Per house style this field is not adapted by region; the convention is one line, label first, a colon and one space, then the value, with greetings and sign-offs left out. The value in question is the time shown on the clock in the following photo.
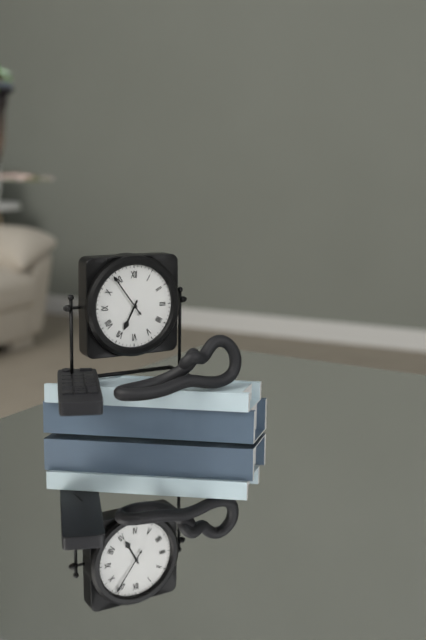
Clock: 6:54
